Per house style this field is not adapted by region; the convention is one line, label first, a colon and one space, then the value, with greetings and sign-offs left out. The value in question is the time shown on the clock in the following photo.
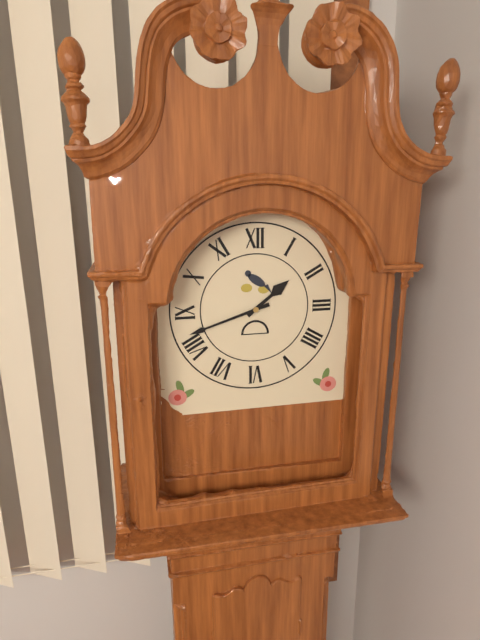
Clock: 1:42
